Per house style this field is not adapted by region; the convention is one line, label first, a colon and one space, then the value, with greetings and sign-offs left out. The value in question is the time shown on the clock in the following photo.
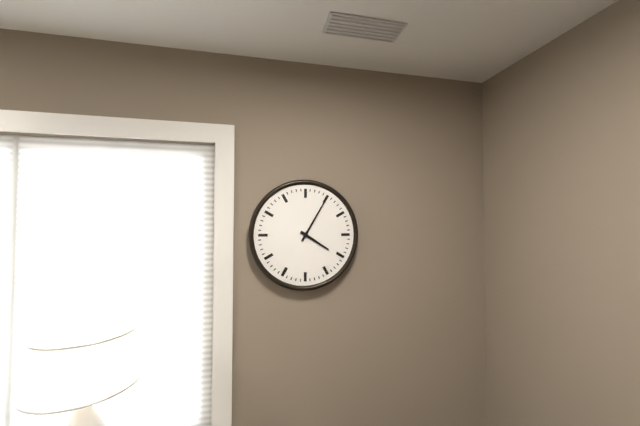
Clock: 4:05
